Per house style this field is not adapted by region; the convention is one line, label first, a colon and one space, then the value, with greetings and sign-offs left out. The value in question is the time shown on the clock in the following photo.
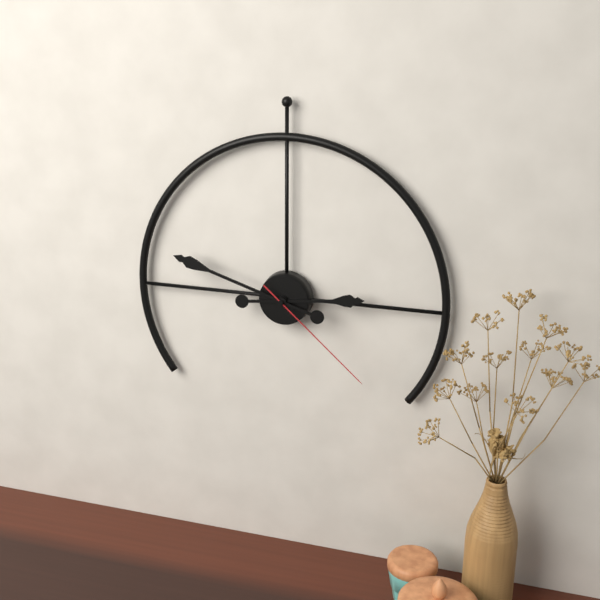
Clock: 2:48:22
